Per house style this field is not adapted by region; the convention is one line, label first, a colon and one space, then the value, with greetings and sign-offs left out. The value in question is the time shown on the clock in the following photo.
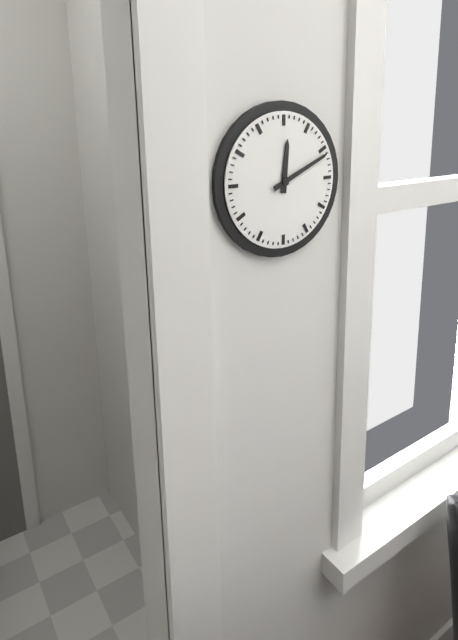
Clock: 12:11
